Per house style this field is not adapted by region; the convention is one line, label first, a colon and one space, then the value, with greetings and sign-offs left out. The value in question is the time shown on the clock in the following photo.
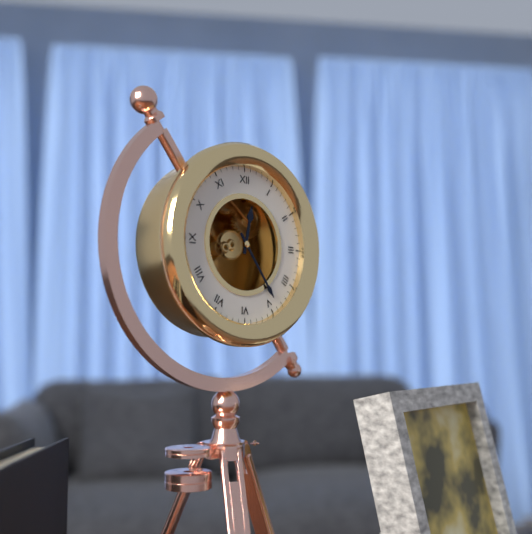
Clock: 12:24
